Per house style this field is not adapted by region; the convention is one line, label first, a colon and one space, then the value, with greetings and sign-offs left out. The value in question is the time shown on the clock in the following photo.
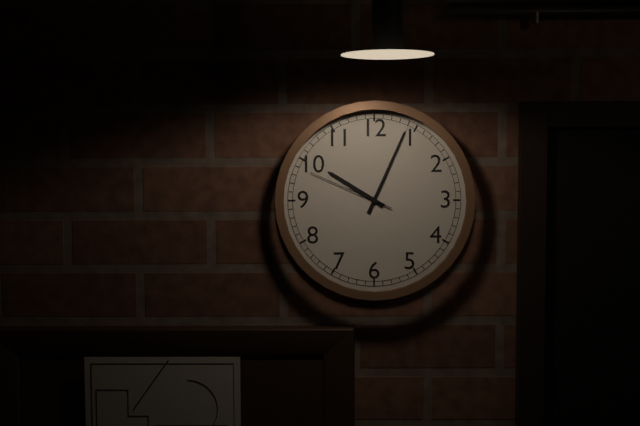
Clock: 10:04:49
